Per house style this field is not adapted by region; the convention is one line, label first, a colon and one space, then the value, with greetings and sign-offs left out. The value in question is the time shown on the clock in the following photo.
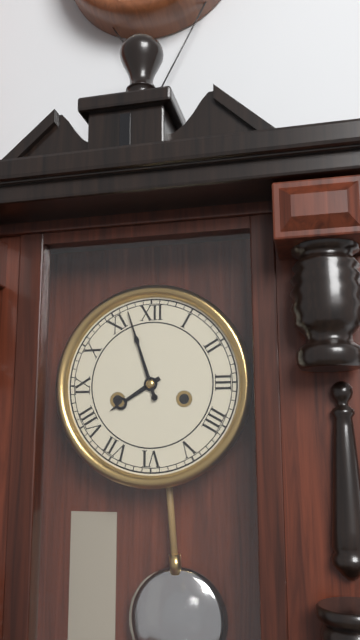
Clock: 7:57
